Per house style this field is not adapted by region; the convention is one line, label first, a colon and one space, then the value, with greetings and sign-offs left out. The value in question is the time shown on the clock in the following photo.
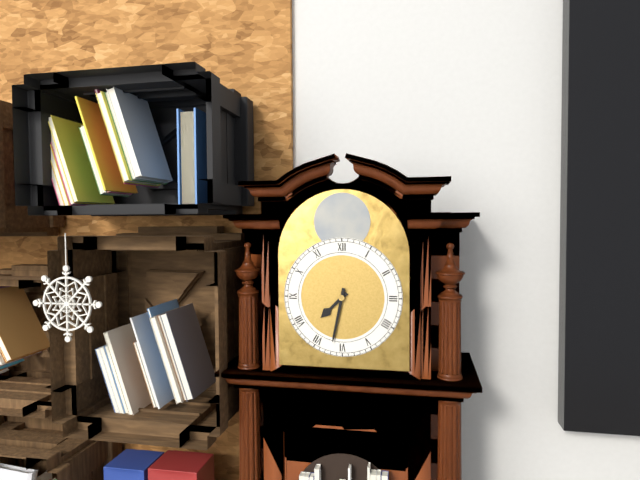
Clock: 7:32
